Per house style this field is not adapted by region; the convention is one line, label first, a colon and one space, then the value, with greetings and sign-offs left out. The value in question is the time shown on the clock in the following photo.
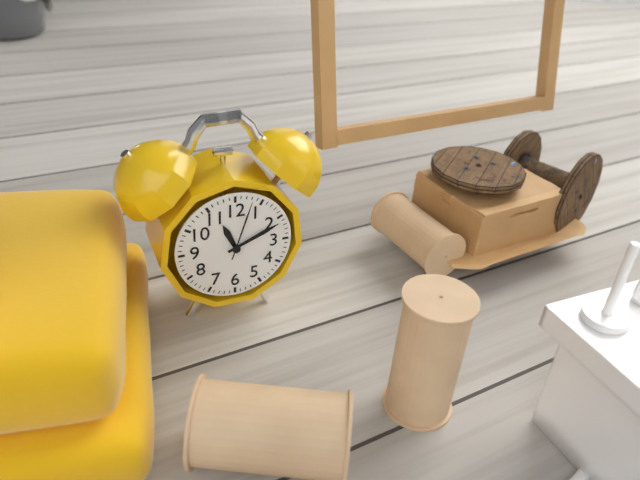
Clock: 11:11:03
